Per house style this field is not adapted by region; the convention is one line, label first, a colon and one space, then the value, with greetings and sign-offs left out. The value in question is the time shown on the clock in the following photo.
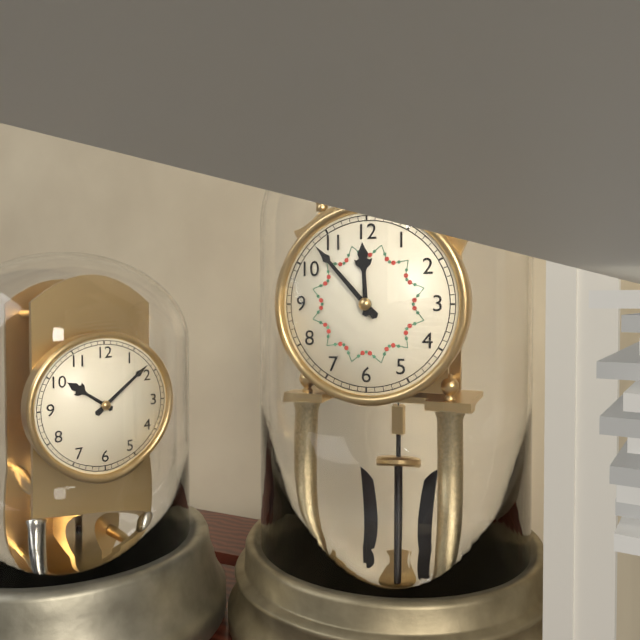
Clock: 11:53
